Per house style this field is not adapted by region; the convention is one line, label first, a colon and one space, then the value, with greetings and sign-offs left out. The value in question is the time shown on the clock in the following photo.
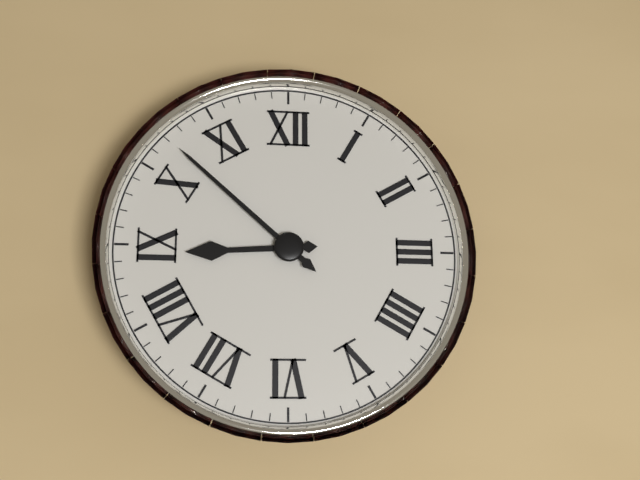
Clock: 8:52
